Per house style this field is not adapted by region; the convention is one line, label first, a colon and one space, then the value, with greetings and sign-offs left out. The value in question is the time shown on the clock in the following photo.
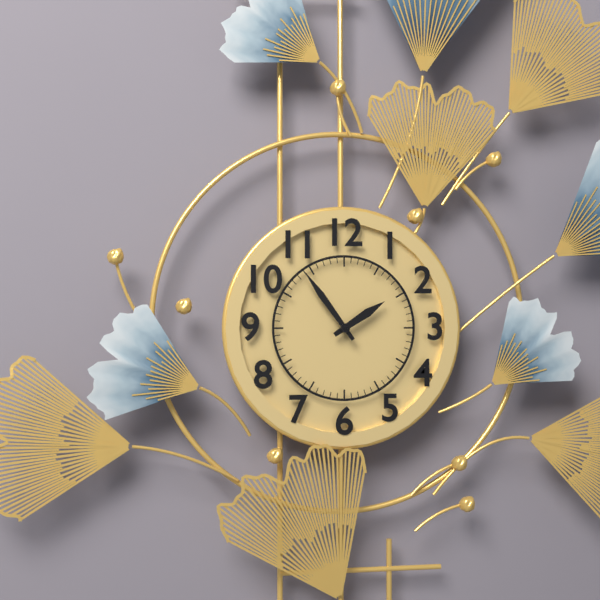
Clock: 1:54
